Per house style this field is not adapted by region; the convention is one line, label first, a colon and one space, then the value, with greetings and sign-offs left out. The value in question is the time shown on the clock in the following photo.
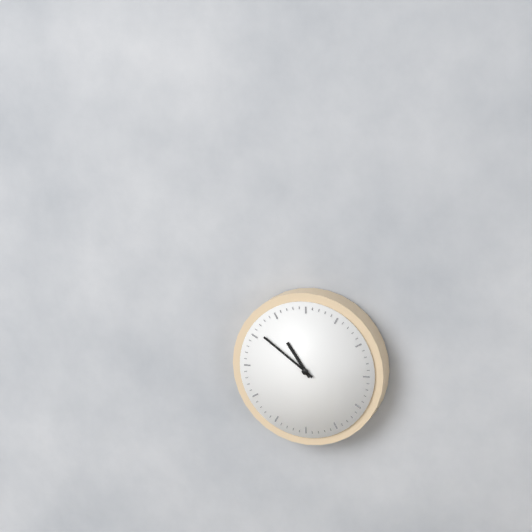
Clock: 10:51
